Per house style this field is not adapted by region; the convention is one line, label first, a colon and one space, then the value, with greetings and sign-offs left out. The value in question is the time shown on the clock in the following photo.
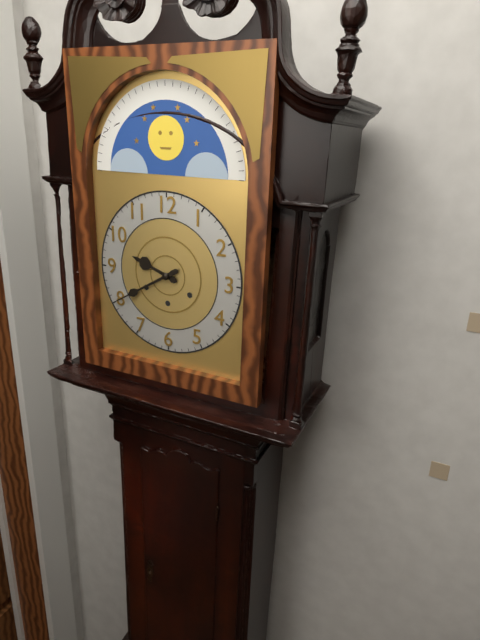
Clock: 9:40
